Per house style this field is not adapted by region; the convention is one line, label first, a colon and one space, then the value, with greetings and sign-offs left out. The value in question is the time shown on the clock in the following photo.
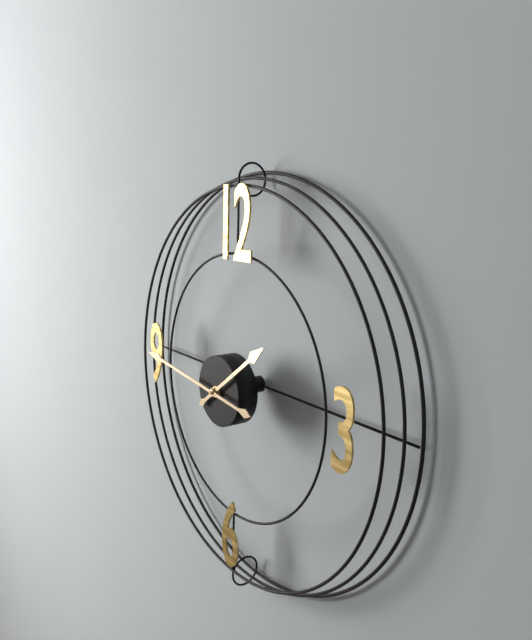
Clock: 1:46
